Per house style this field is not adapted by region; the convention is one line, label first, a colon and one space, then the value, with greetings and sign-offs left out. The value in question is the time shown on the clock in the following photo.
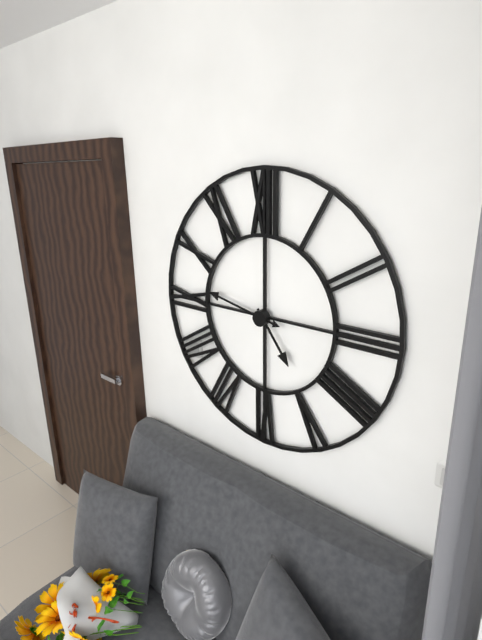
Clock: 4:47
